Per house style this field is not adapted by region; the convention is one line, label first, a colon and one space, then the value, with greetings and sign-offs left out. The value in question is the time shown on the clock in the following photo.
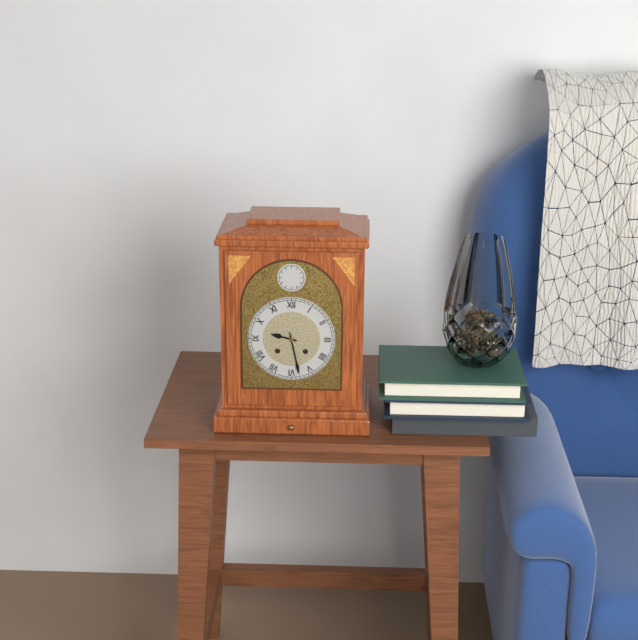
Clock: 9:28
